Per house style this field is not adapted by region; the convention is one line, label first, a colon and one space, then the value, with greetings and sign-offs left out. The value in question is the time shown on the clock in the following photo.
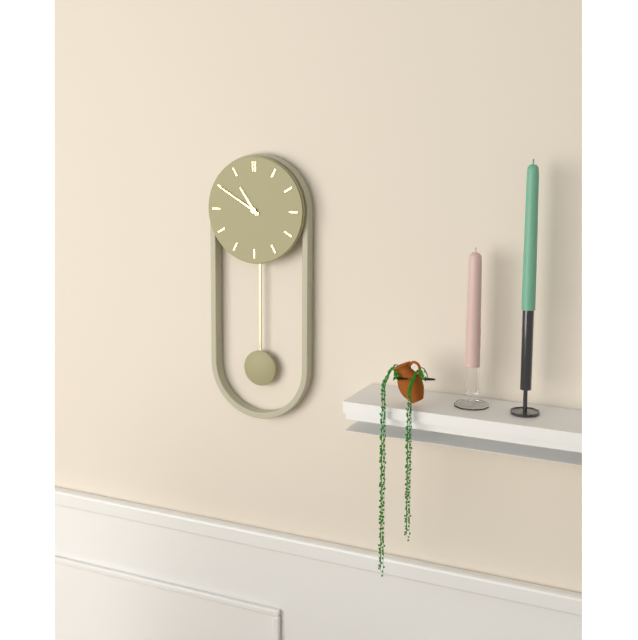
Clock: 10:50
